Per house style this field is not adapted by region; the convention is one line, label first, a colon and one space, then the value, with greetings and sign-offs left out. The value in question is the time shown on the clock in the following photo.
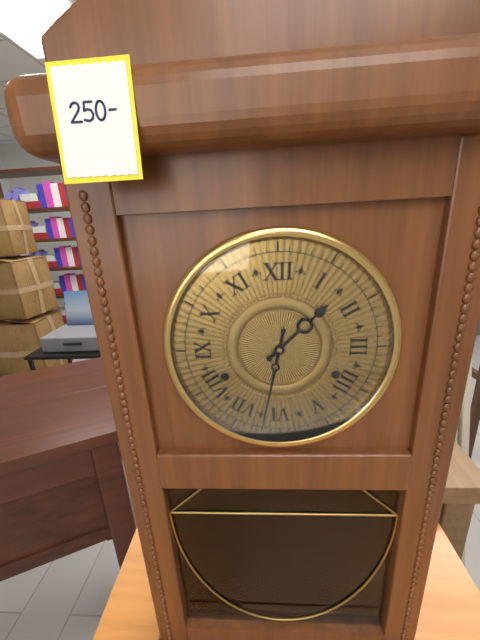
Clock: 1:32
